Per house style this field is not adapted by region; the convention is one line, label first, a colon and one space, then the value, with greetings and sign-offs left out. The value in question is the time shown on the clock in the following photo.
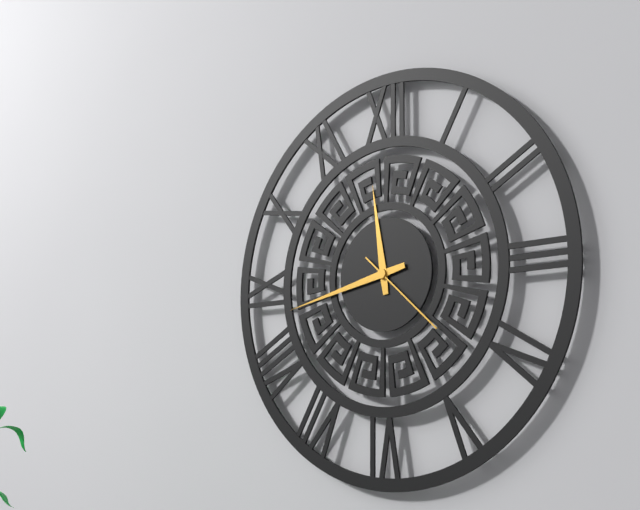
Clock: 11:43:22
